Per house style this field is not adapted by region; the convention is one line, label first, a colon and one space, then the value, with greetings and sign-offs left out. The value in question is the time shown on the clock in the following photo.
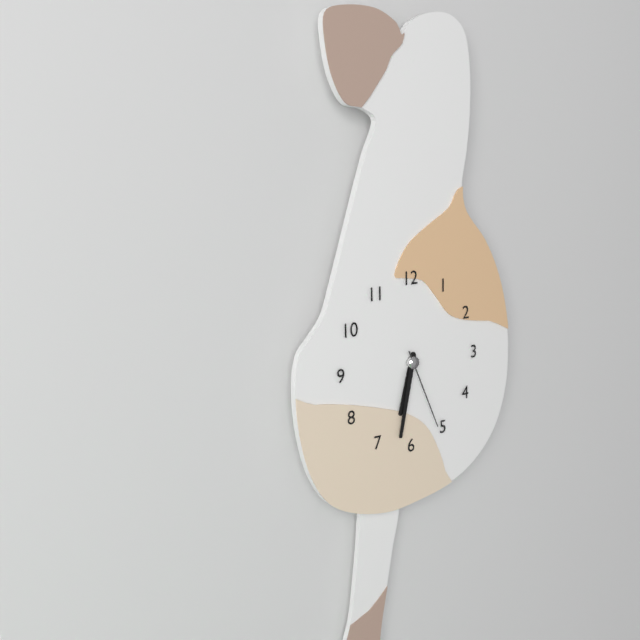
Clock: 6:32:26
